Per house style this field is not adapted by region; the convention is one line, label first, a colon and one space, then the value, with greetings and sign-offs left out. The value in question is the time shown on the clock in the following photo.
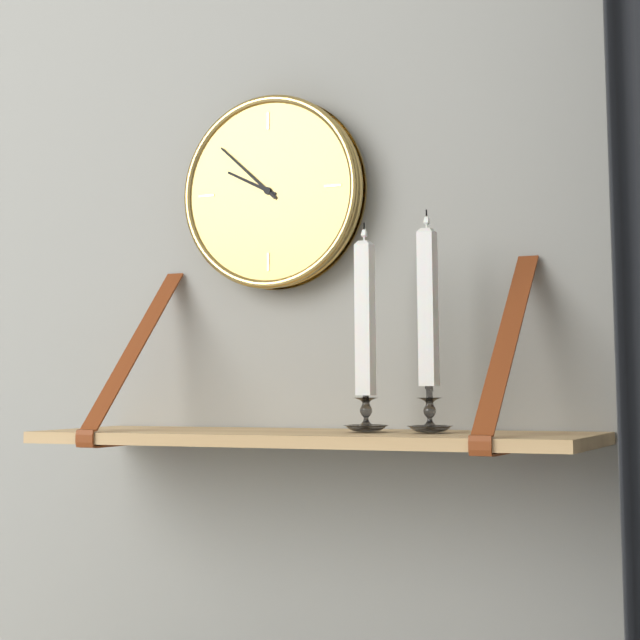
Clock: 9:52
